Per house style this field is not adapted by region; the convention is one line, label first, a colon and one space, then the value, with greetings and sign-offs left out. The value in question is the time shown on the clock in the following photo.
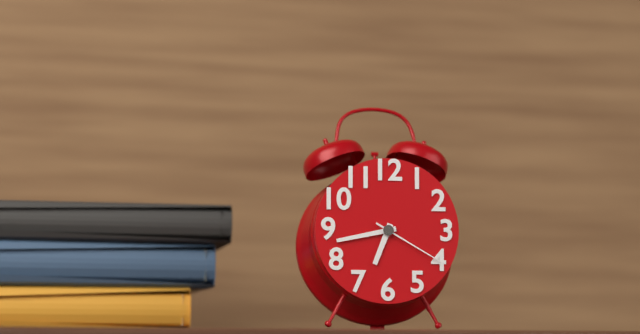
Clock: 6:43:20
